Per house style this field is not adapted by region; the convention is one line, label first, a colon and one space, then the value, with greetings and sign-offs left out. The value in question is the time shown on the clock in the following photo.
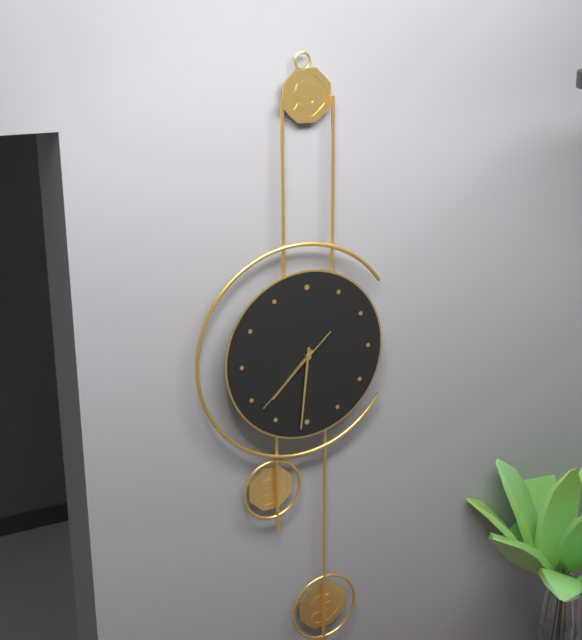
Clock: 7:31:38
